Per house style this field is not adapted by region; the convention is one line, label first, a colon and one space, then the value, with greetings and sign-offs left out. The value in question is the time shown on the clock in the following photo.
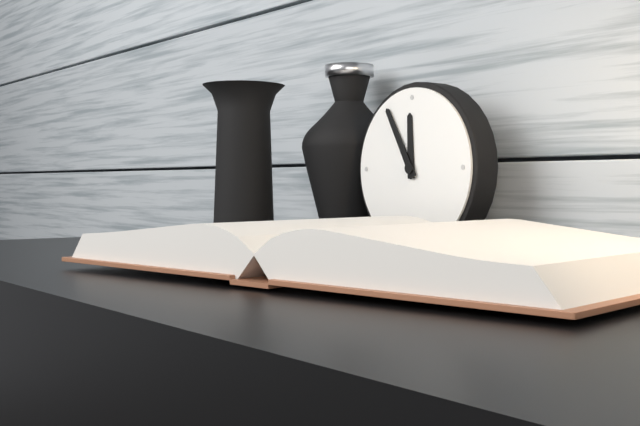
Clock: 11:55
